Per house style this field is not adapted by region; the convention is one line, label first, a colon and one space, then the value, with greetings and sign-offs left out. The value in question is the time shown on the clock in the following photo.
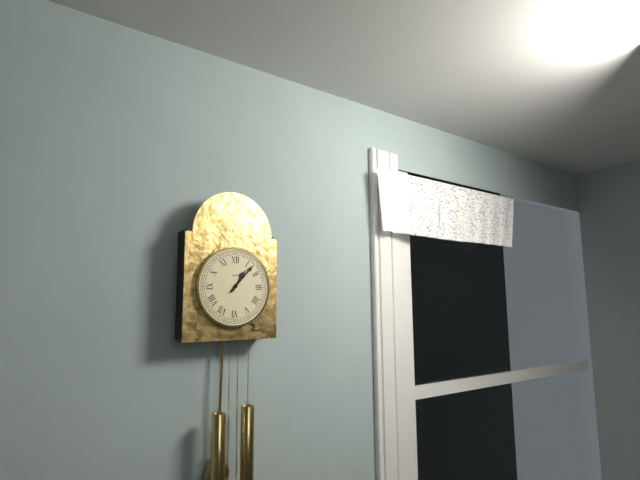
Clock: 1:07
